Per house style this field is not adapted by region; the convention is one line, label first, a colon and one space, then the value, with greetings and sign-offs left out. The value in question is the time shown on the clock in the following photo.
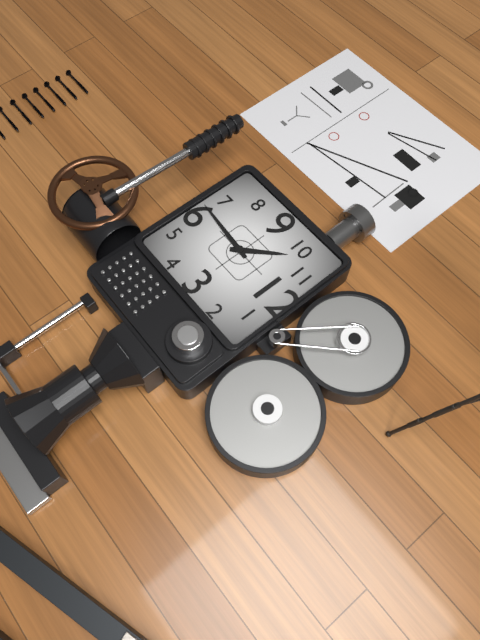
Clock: 10:31
